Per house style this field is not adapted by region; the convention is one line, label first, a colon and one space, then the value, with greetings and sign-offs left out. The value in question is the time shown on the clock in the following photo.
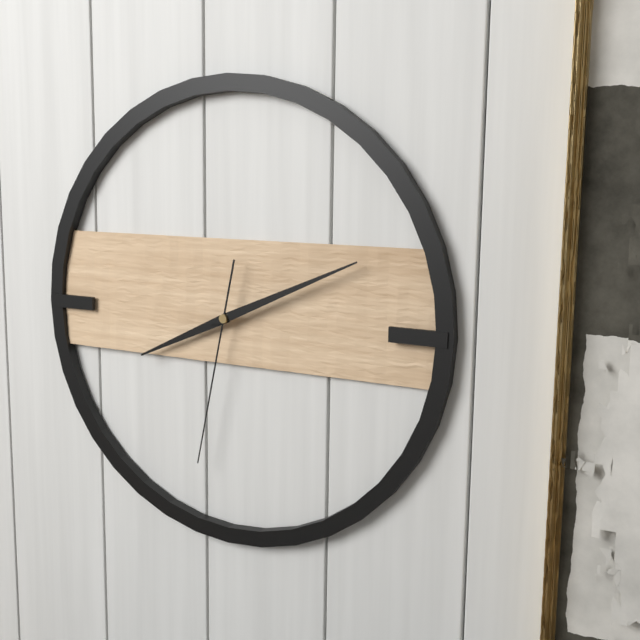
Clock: 8:11:32
